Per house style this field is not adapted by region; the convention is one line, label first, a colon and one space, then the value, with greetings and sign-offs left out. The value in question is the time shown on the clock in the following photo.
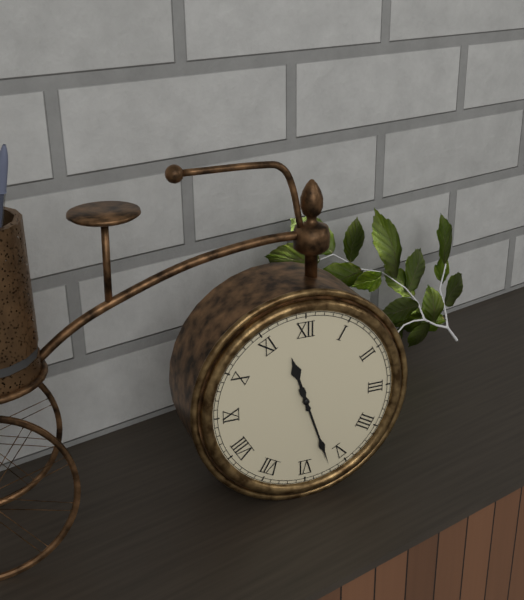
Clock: 11:27
